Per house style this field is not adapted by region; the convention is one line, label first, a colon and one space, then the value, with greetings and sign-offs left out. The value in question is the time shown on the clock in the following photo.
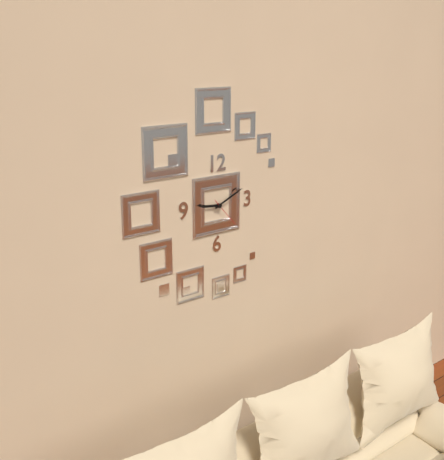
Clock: 9:11
